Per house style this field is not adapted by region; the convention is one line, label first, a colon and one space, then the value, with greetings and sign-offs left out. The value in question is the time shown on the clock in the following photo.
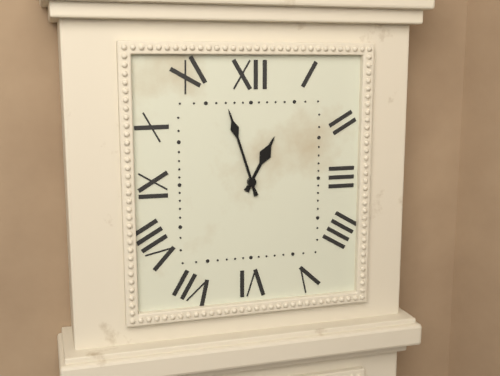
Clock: 12:57
